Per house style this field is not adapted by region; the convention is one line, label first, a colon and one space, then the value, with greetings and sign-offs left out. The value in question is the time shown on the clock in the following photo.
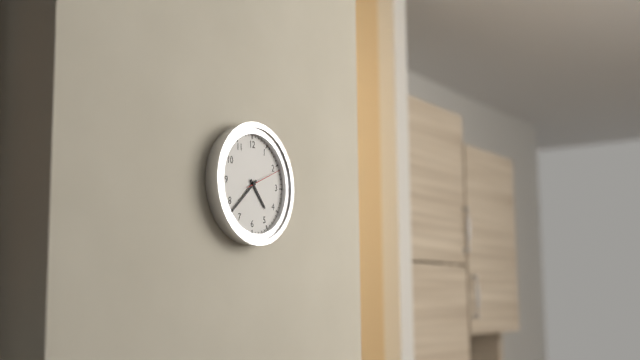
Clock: 4:38
